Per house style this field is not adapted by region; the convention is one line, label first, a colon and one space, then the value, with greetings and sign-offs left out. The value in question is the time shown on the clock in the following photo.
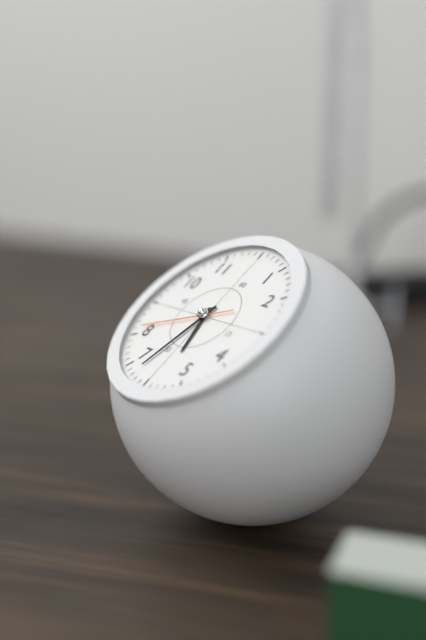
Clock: 5:33:41
